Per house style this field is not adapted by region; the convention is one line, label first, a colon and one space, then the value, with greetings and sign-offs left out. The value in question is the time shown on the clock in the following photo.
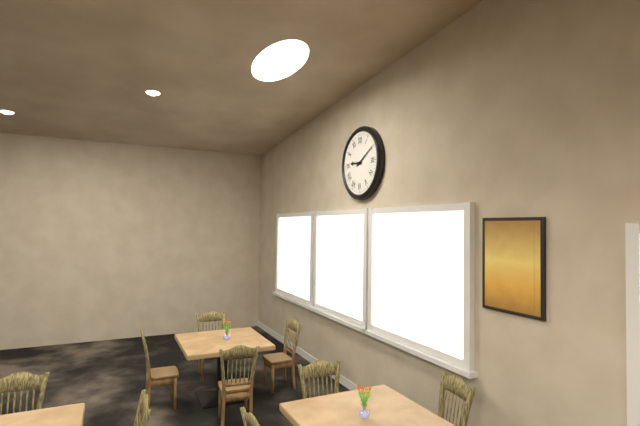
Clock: 9:10
